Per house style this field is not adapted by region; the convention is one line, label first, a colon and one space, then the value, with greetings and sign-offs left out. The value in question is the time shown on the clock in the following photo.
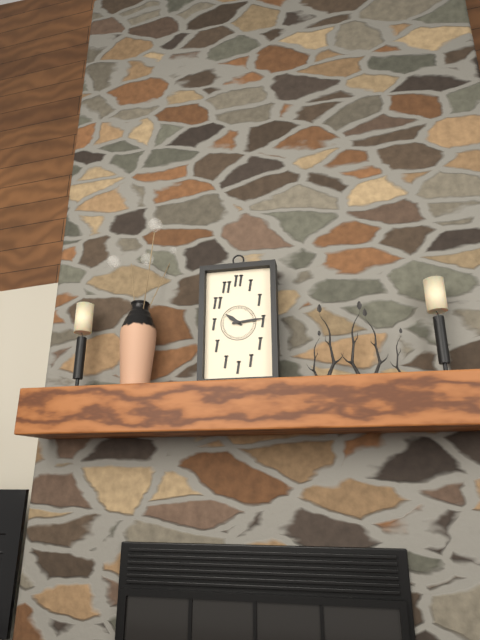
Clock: 10:14
